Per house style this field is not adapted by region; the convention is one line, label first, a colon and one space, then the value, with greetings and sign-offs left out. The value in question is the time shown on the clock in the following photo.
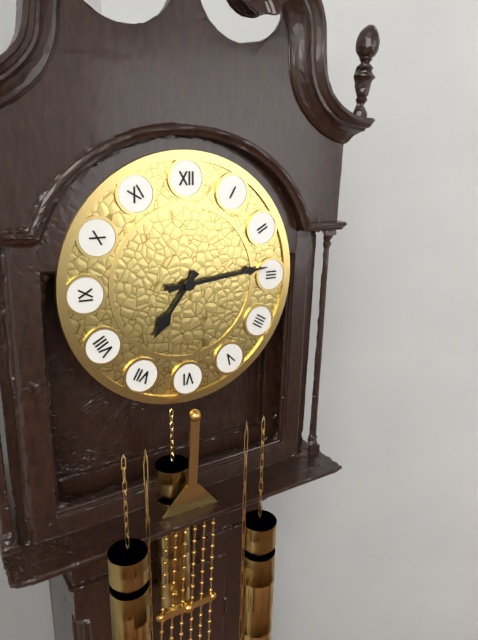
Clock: 7:14
